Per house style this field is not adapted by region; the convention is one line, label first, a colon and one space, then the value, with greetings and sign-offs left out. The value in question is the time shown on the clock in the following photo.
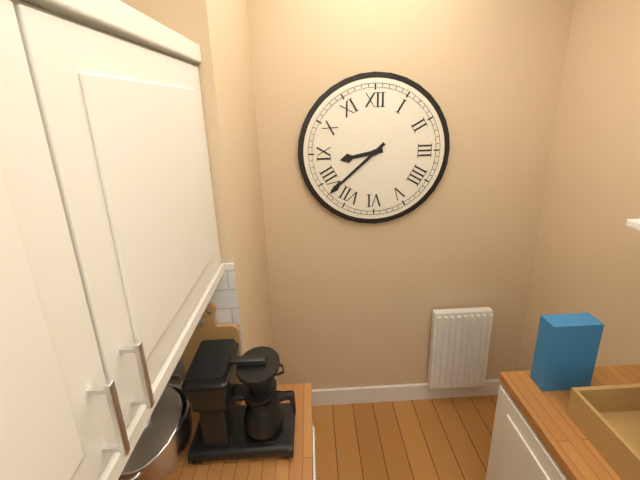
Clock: 8:38
